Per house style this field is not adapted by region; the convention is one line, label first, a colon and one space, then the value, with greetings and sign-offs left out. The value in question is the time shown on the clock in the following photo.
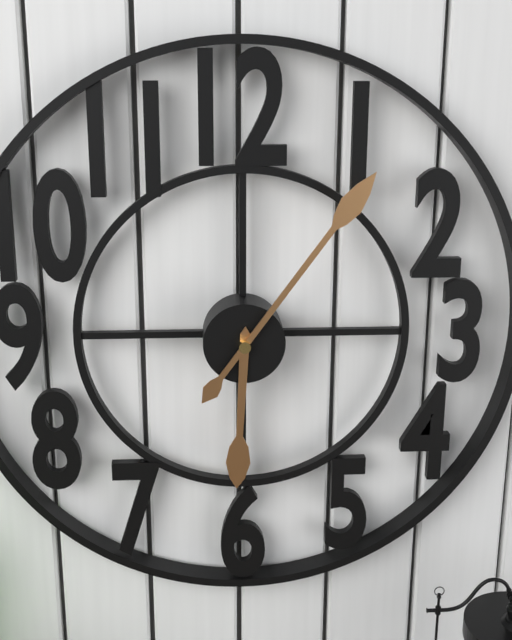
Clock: 6:06
